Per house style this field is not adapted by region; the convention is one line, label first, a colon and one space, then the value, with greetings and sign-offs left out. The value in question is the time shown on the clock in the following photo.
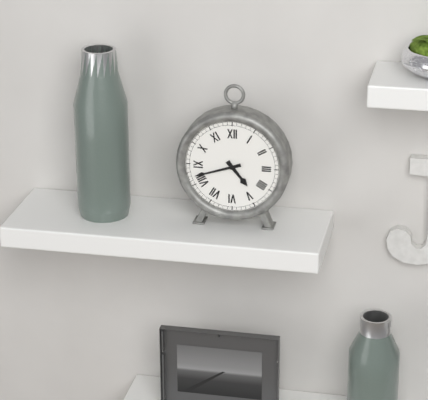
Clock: 4:42
